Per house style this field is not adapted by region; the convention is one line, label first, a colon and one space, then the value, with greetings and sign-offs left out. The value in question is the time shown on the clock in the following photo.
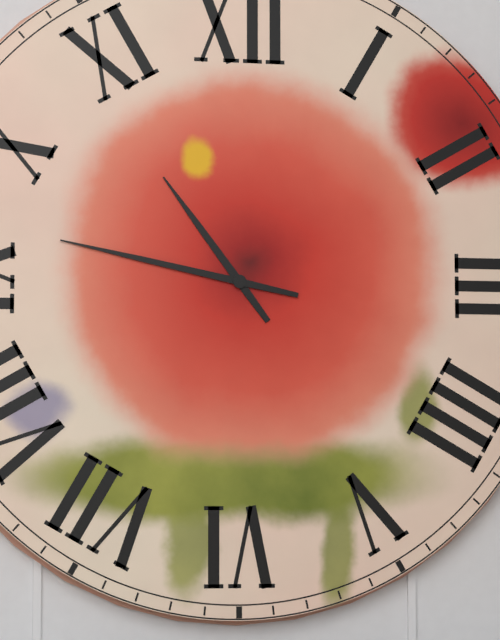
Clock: 10:47
